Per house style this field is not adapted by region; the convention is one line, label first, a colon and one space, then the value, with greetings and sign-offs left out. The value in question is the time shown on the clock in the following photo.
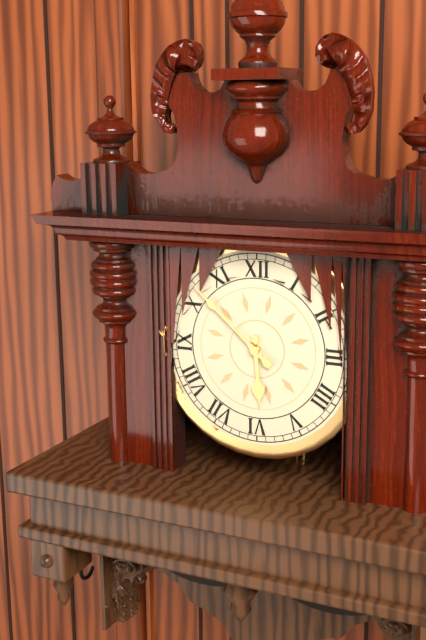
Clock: 5:52
